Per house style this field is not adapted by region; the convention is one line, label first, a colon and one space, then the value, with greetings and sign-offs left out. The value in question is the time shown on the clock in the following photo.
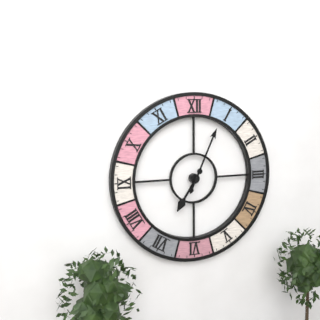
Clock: 7:04
